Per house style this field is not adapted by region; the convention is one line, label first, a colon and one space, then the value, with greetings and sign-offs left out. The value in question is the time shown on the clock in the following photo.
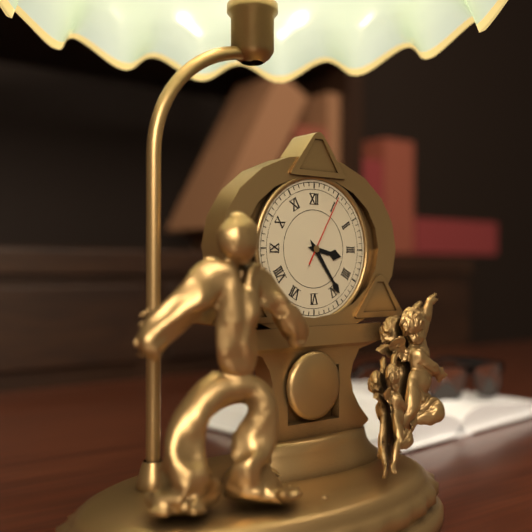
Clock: 3:24:05
